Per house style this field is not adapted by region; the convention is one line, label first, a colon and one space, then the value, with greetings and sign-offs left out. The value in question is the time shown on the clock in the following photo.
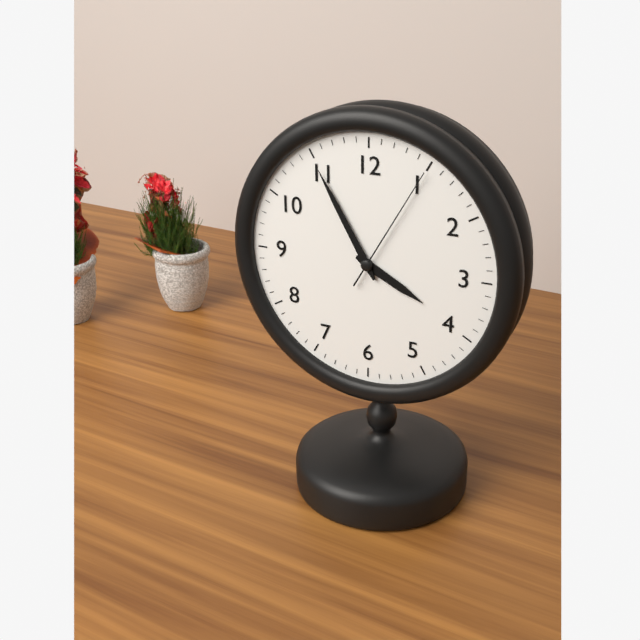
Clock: 3:55:05
